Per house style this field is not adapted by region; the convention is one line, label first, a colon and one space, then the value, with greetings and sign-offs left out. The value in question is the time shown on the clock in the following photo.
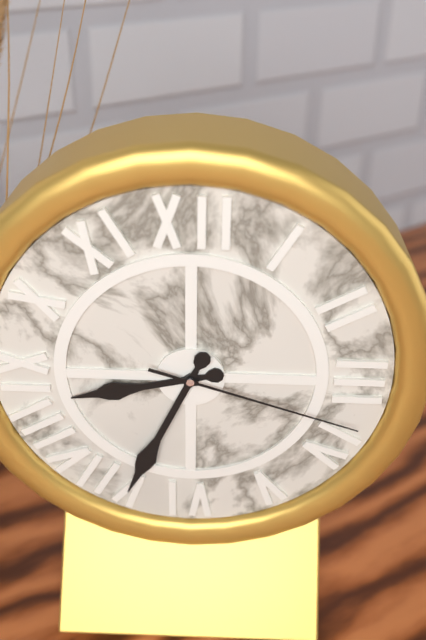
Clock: 8:34:18
